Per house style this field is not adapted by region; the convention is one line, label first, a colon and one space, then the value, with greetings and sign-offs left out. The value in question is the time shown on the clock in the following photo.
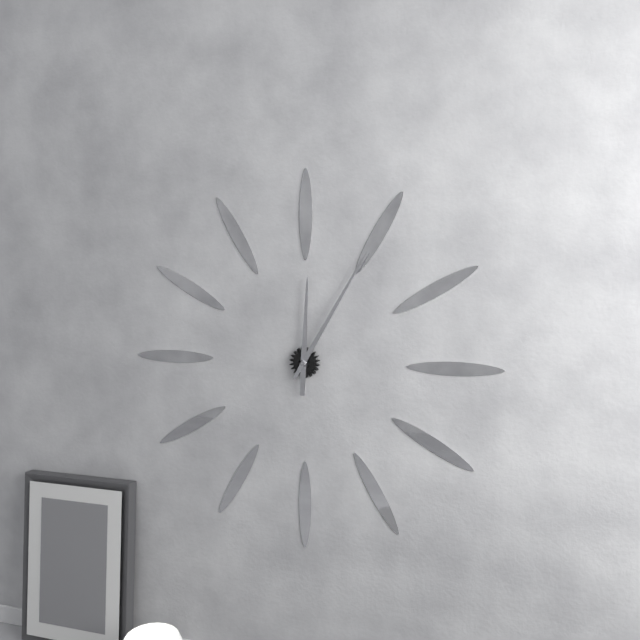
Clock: 12:05
